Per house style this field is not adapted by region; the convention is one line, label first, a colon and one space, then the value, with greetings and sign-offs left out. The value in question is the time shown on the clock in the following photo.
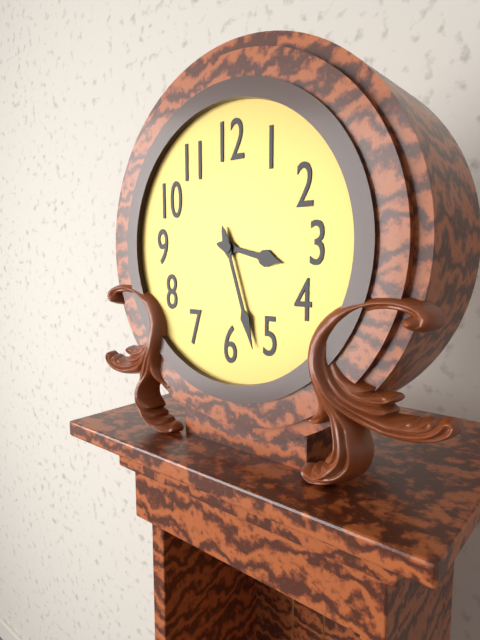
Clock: 3:27
